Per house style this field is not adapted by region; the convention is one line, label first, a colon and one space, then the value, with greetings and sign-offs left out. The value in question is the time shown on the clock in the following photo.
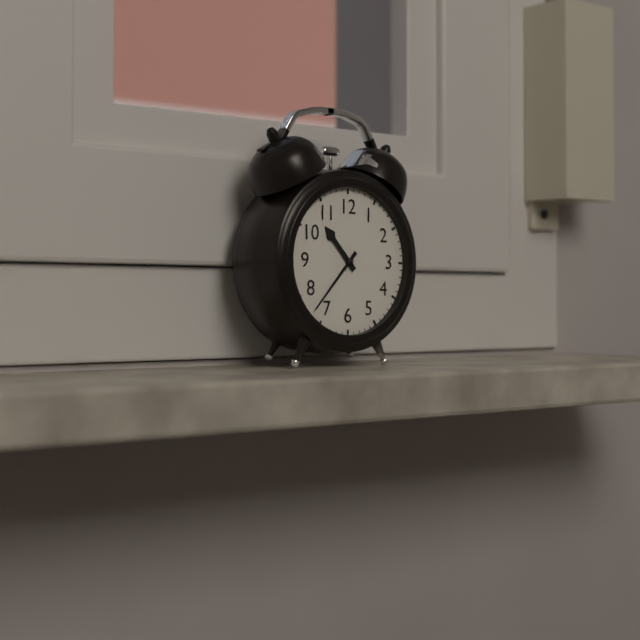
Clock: 10:37
